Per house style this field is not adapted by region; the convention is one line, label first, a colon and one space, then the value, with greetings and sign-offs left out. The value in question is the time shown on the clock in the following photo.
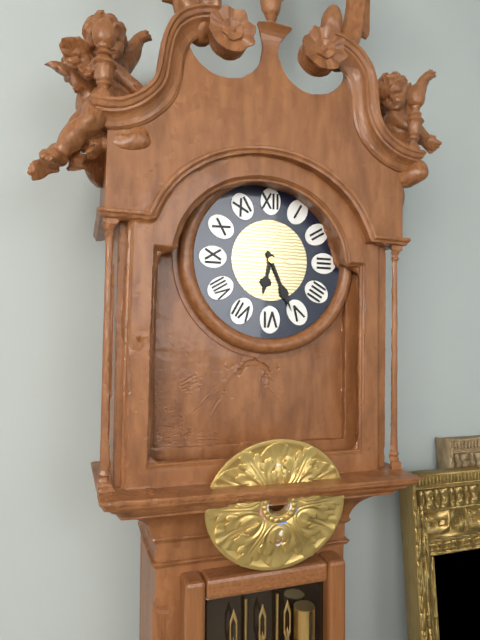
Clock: 6:26
